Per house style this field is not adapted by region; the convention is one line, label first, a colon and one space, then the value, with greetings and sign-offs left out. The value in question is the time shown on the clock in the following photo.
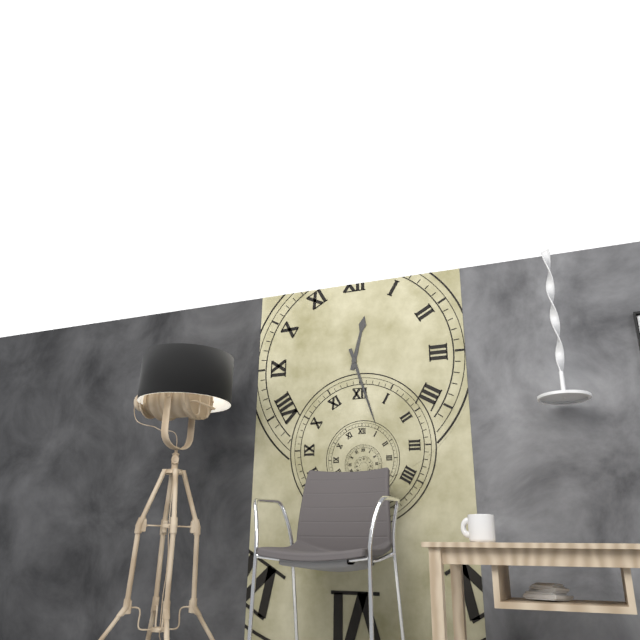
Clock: 12:27
